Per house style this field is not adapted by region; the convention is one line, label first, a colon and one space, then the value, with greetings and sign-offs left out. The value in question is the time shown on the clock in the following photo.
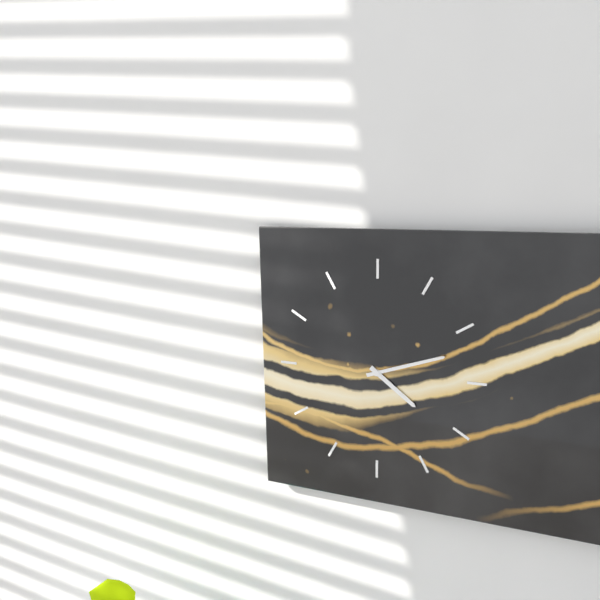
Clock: 4:12
